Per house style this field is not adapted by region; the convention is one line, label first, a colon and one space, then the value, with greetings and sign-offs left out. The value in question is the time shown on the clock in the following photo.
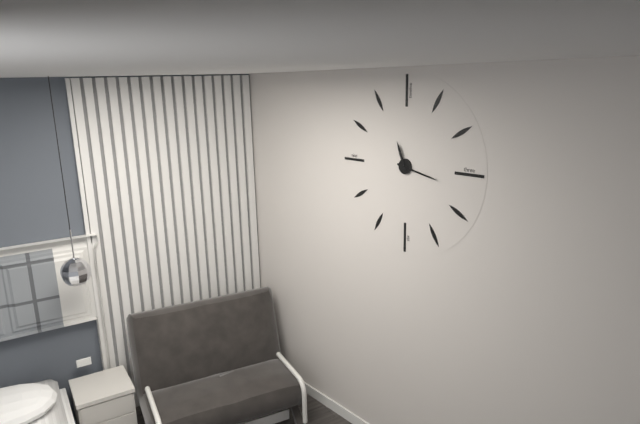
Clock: 11:17
